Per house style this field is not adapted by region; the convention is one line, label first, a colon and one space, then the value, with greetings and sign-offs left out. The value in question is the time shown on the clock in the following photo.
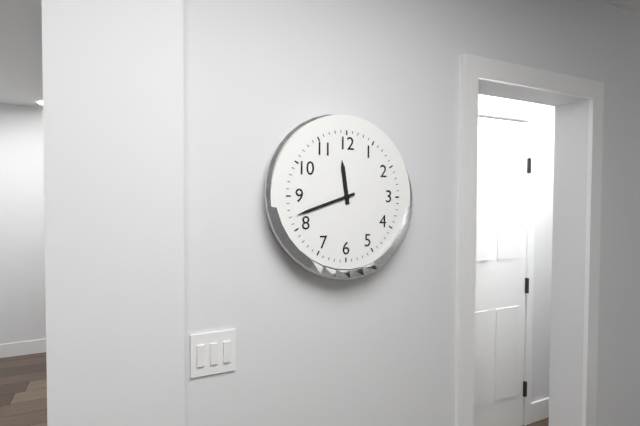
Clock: 11:42
